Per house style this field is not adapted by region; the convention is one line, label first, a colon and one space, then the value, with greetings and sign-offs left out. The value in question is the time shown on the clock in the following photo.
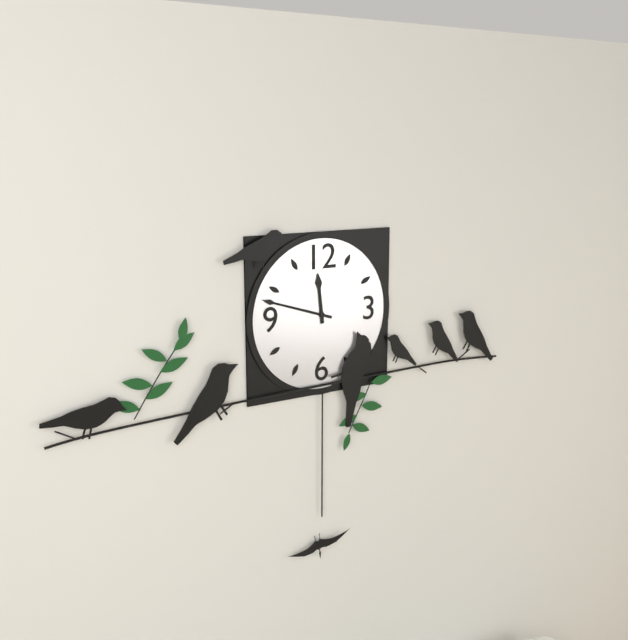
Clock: 11:48
